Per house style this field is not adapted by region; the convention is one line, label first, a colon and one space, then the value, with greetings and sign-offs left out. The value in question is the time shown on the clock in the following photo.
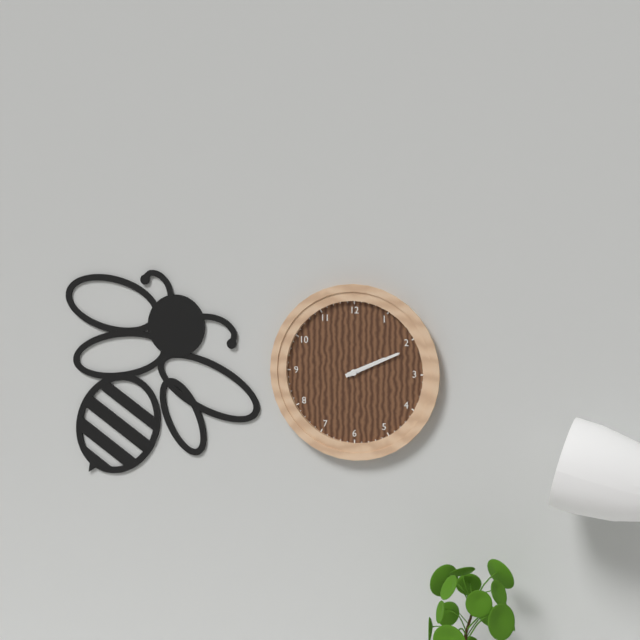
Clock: 2:11
